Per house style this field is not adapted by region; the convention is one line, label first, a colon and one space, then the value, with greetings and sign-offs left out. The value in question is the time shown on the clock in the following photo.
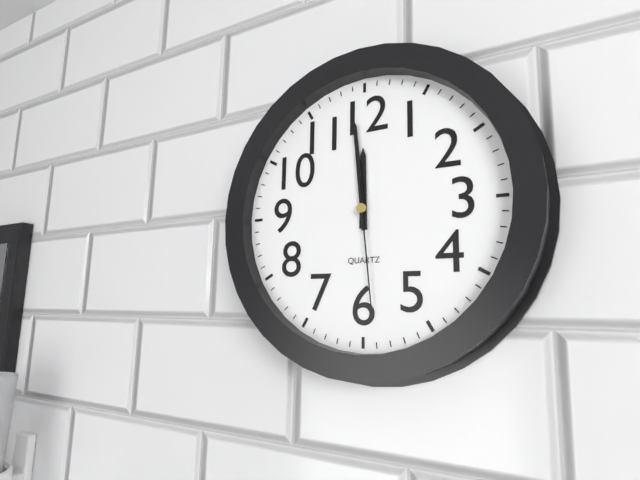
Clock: 11:59:29
